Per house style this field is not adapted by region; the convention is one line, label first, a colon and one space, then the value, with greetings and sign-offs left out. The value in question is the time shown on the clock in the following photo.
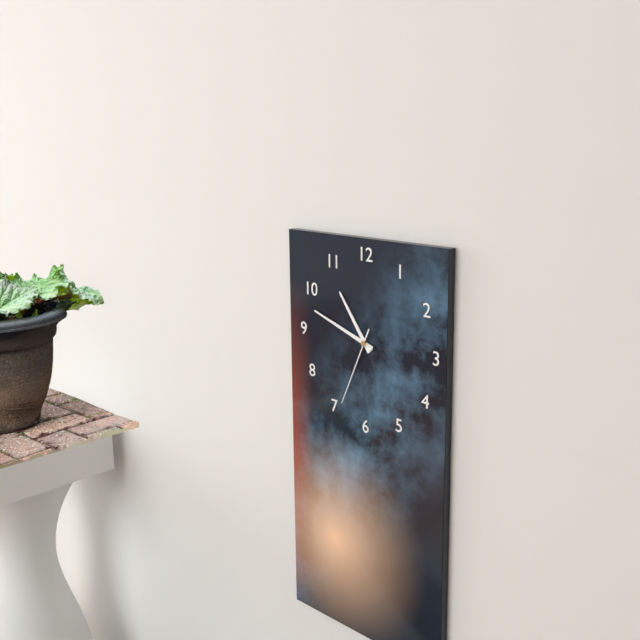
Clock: 10:48:34
